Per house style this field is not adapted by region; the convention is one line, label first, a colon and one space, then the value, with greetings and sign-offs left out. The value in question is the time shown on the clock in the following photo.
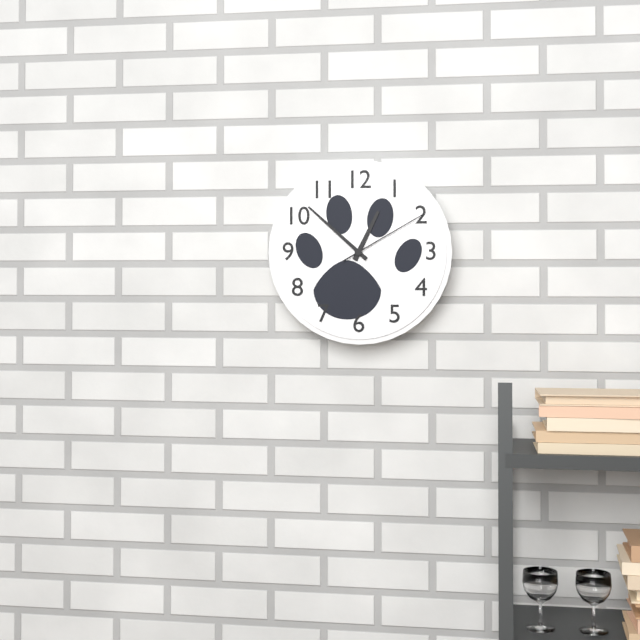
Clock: 12:52:10
